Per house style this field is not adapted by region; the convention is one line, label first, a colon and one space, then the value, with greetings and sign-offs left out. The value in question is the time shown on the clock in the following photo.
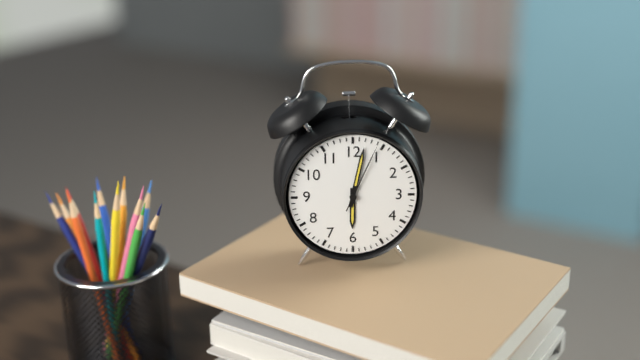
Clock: 6:02:04
